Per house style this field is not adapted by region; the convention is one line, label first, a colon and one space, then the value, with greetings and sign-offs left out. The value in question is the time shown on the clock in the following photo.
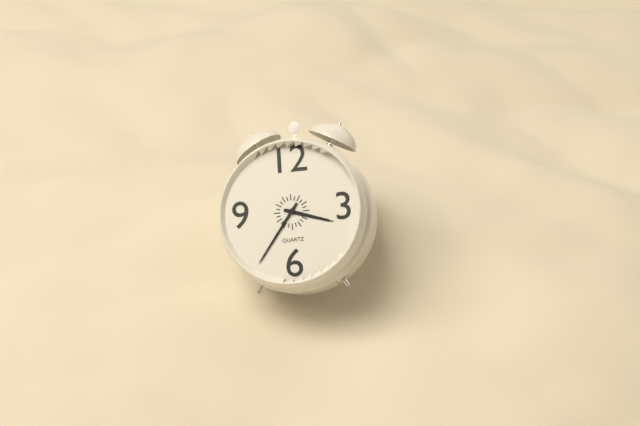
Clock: 3:36
